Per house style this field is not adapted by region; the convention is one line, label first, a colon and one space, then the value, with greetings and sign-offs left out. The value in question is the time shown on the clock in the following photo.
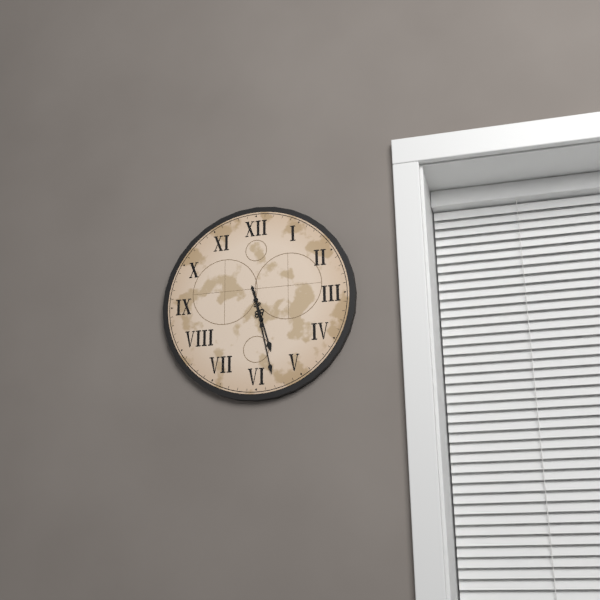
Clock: 5:28
